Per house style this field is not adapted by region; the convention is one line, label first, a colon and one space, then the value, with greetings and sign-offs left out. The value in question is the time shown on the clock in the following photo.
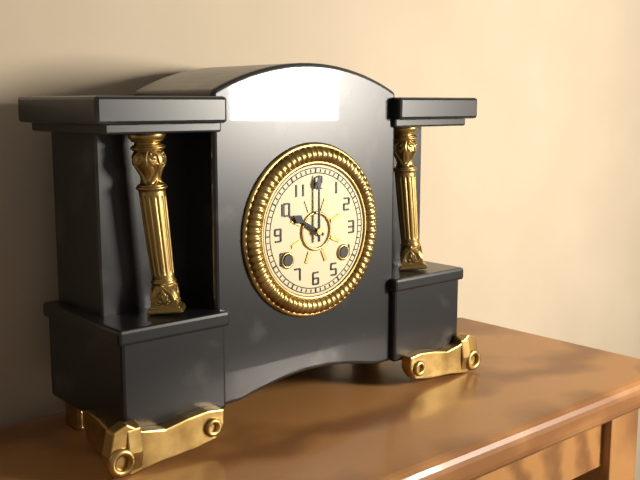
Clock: 10:00
